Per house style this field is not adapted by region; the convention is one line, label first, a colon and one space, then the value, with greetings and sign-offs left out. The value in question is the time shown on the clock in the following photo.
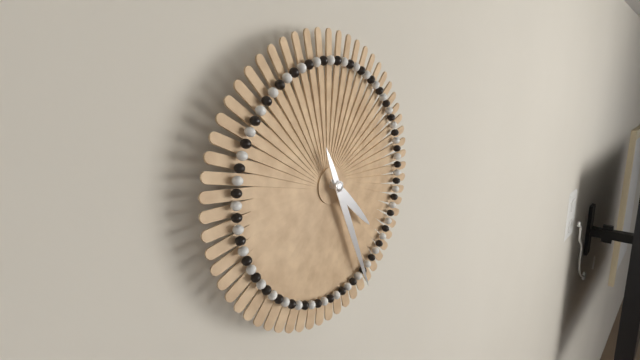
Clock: 4:26
